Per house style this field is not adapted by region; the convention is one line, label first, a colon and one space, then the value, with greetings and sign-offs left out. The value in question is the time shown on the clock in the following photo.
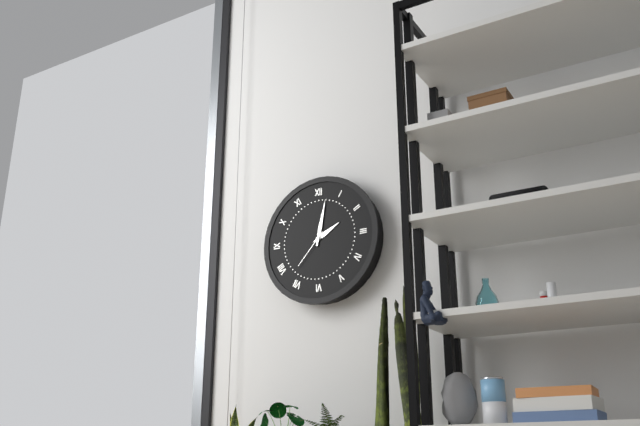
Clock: 2:02
